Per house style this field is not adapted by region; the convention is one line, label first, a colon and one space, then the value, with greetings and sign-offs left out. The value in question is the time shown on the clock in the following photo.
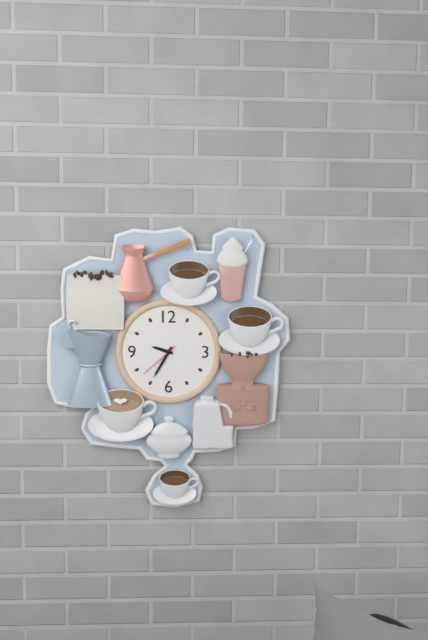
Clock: 9:35
